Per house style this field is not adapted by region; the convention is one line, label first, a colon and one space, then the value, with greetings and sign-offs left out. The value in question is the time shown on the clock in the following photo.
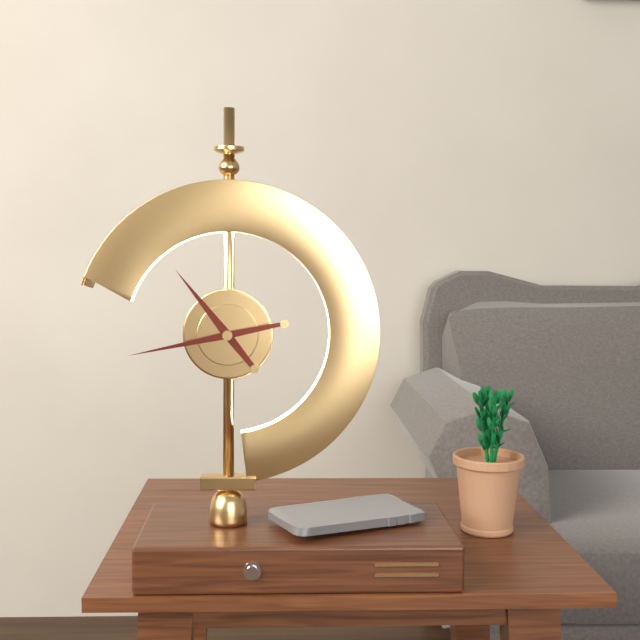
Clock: 10:43
